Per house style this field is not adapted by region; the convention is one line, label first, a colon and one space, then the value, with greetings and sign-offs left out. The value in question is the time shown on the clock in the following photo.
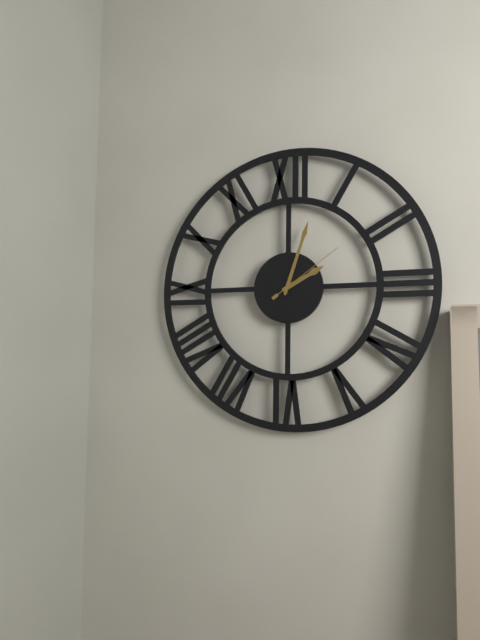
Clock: 2:03:09
